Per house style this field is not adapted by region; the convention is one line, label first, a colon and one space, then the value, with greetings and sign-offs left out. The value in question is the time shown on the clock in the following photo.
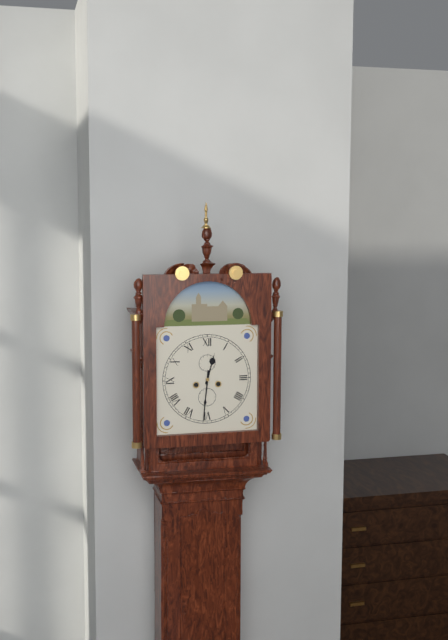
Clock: 12:31
